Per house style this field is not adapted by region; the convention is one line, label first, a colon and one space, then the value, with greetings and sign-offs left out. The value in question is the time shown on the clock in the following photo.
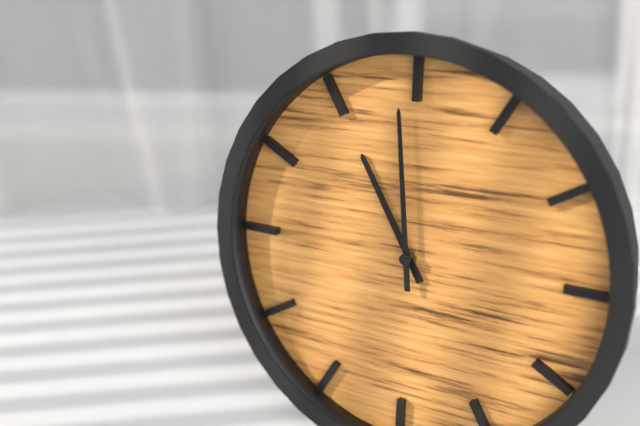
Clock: 10:59
